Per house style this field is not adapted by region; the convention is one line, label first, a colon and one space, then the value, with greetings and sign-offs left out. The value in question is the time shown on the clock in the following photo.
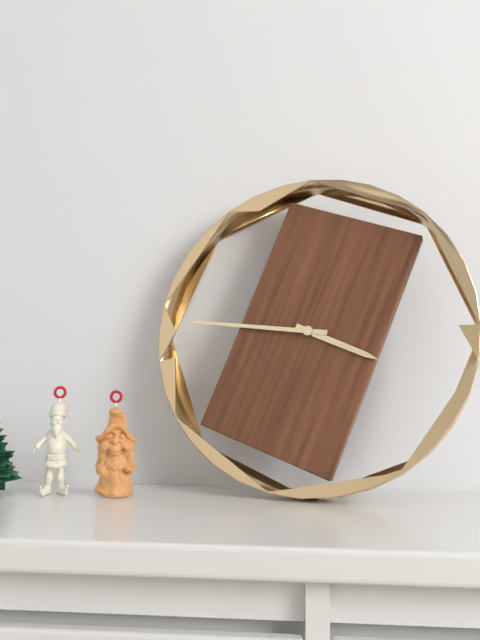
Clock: 3:46
